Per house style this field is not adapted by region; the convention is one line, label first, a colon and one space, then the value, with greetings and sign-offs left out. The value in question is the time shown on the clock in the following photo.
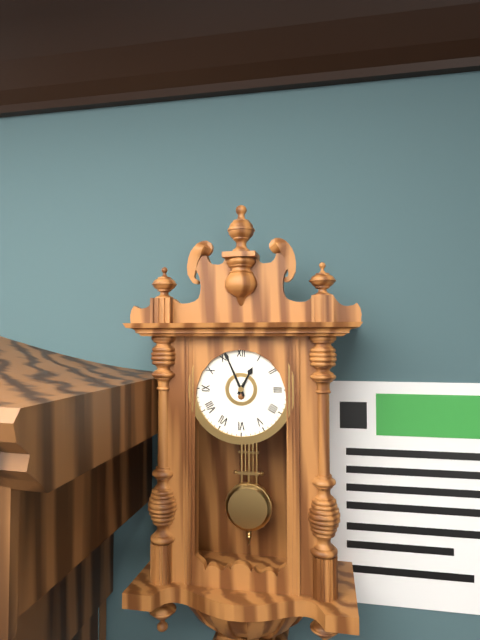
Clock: 12:56
